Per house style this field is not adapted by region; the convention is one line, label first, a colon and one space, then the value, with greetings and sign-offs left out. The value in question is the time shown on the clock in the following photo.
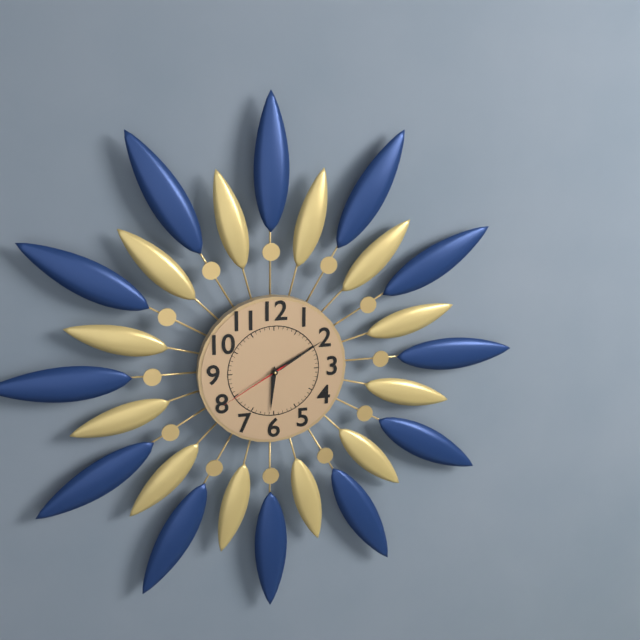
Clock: 6:10:40
